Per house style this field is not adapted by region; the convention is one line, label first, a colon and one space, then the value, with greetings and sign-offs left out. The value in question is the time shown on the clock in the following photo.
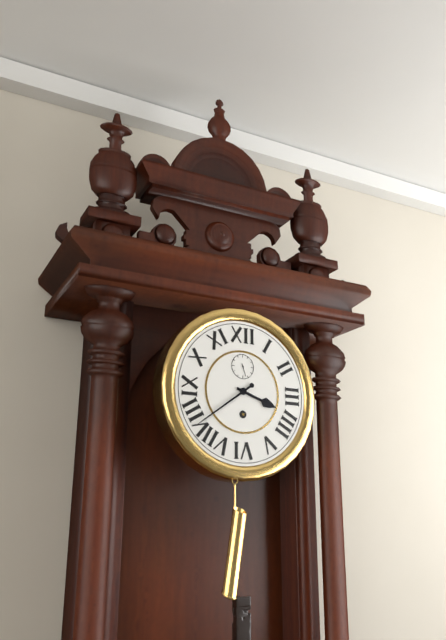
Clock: 3:39
